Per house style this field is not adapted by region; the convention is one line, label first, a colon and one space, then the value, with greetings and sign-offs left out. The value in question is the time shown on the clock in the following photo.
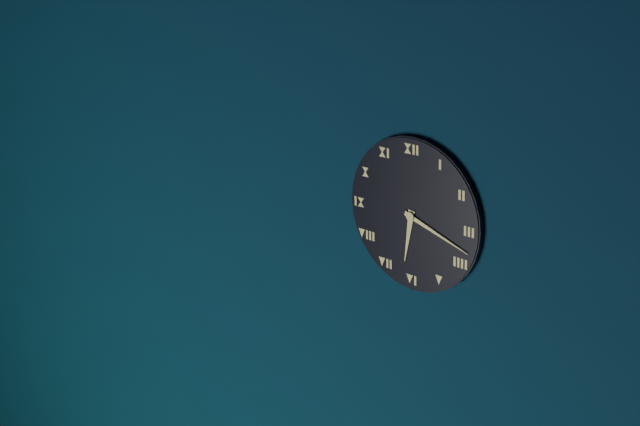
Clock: 6:18
